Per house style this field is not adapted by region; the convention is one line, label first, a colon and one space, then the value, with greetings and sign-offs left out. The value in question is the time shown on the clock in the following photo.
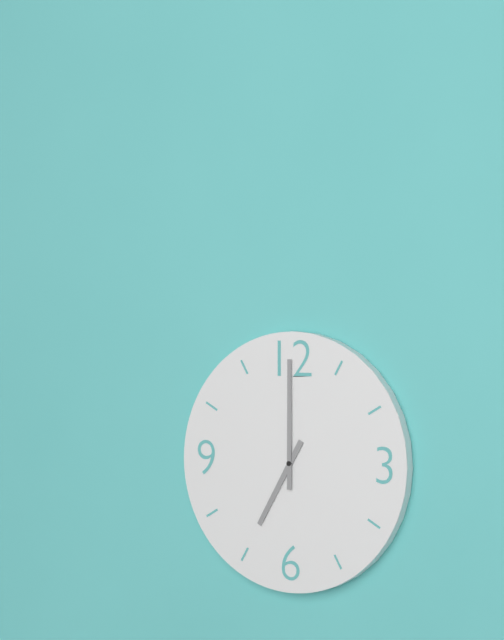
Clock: 7:00
